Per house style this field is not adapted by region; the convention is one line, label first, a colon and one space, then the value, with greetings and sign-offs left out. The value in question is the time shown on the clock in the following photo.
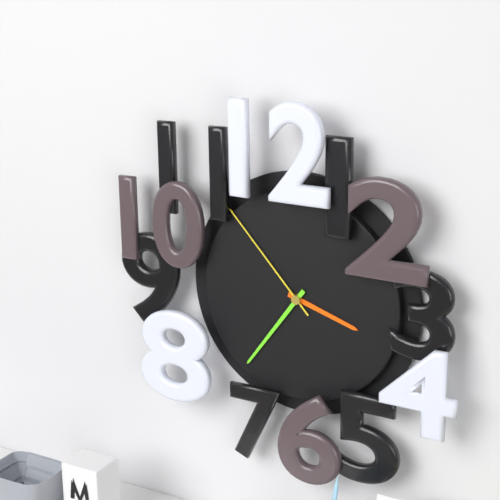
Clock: 3:36:53
